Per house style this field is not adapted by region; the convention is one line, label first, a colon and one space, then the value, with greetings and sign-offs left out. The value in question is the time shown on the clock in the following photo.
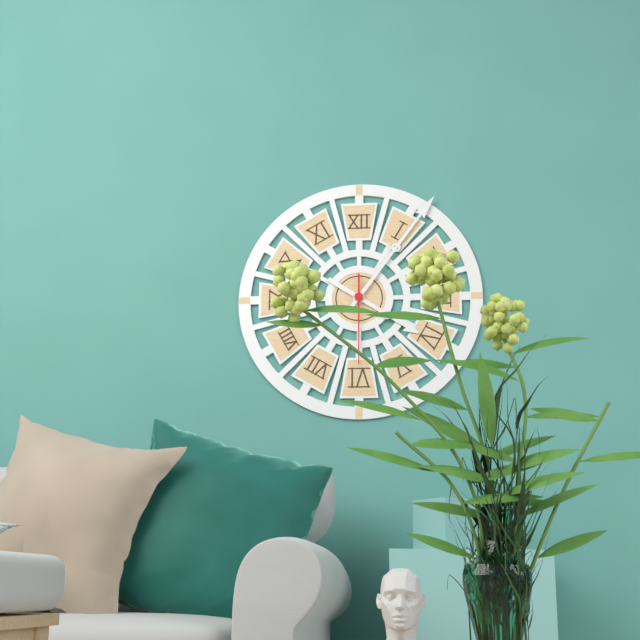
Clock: 4:06:30
